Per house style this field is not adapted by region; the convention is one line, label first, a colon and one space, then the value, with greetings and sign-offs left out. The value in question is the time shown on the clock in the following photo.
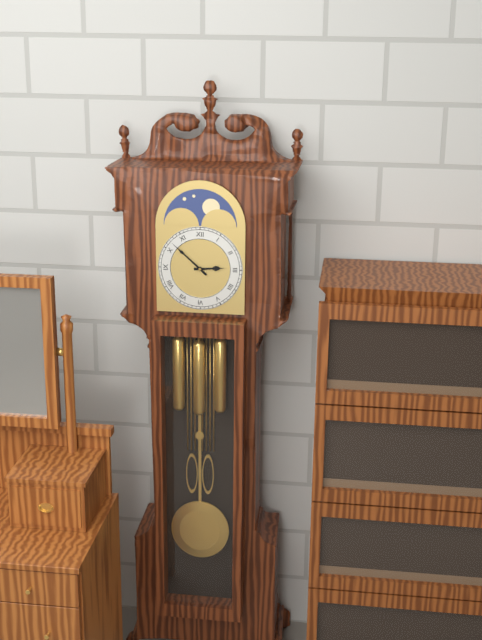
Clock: 2:52
